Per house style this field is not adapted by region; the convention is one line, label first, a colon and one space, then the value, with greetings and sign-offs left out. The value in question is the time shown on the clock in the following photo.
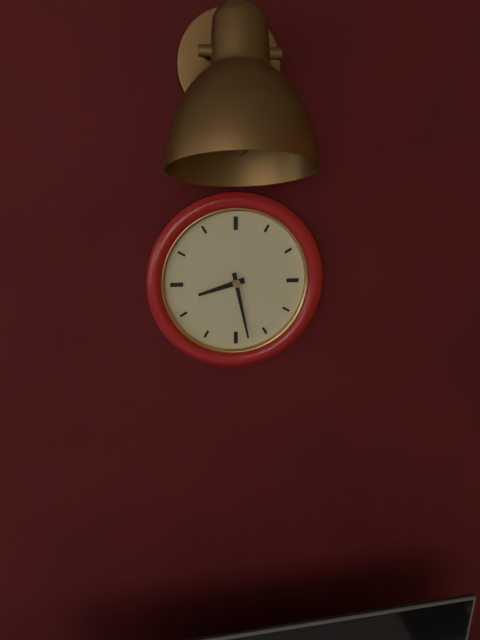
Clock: 8:28
